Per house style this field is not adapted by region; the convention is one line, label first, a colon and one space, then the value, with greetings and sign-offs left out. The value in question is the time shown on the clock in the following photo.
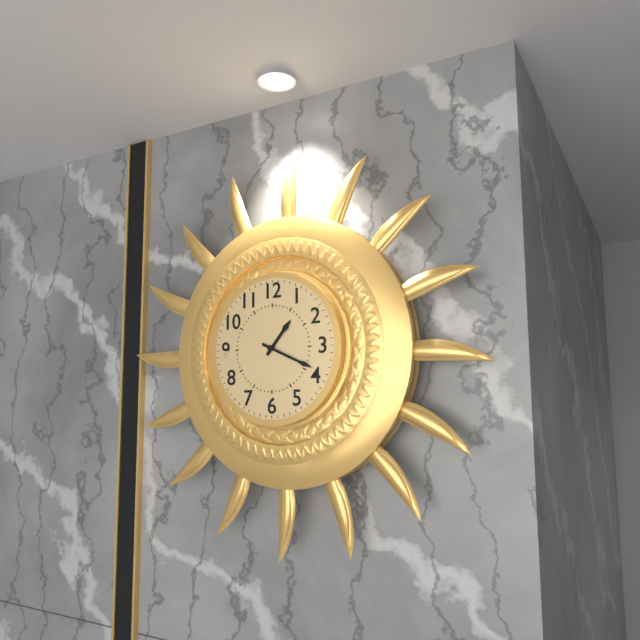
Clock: 1:19
